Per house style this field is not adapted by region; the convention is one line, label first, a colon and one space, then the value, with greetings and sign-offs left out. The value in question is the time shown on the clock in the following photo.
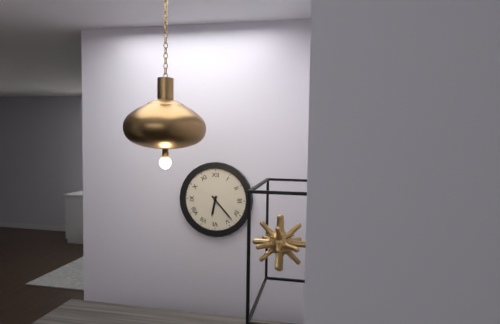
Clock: 6:23
